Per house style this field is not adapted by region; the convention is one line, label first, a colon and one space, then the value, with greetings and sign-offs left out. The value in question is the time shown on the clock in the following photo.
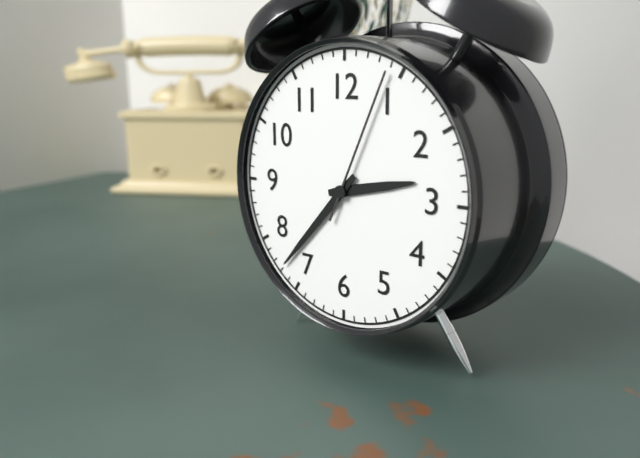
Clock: 2:37:04
